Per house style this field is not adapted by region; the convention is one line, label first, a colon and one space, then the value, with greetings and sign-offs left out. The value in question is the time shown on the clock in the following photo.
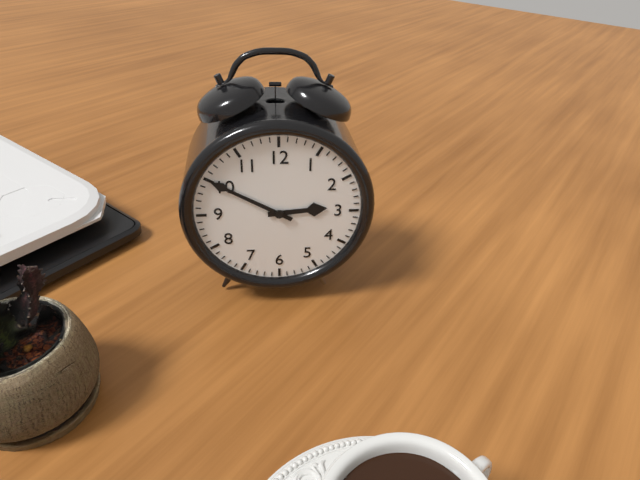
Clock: 2:50
